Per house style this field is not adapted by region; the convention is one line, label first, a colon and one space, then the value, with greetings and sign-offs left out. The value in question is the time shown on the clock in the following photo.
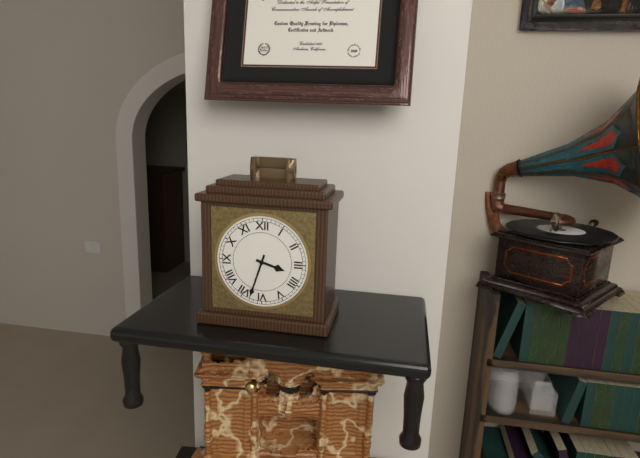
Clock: 3:33
